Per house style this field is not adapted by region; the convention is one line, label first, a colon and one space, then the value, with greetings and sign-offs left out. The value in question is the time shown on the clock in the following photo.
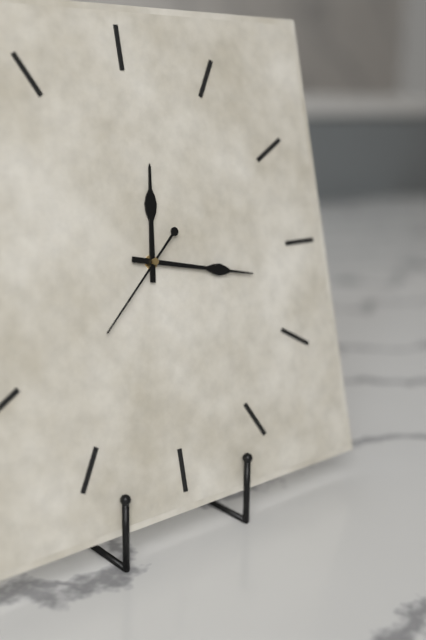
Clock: 12:17:38
